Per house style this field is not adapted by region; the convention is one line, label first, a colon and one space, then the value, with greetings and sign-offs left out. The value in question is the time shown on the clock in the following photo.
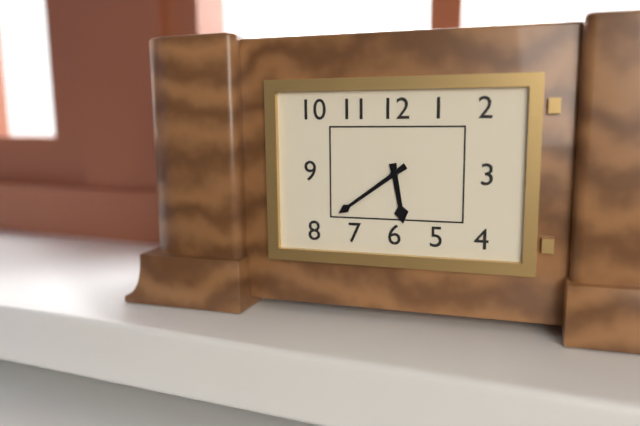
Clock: 5:39
